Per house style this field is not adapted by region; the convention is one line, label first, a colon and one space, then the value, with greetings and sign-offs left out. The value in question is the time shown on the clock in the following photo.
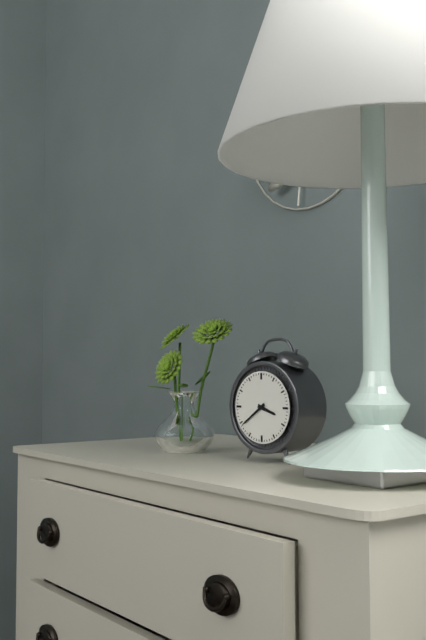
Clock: 3:39
